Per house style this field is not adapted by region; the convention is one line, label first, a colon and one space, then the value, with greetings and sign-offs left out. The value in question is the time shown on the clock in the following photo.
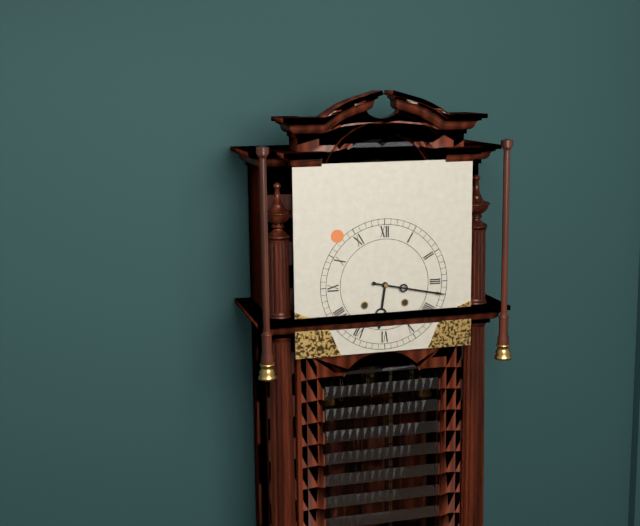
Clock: 6:17
